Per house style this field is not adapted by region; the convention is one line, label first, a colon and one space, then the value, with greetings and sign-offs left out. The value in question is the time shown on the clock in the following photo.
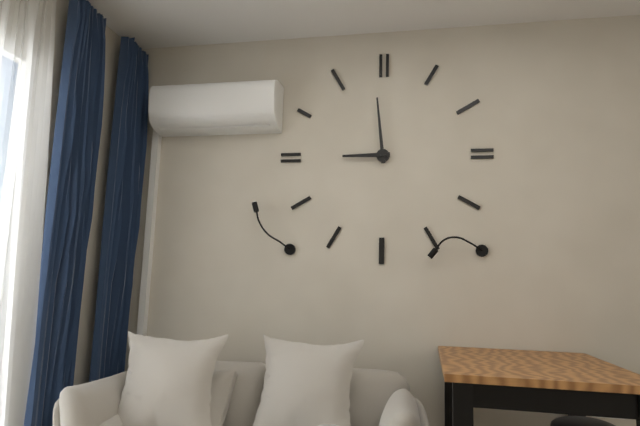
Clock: 8:59
